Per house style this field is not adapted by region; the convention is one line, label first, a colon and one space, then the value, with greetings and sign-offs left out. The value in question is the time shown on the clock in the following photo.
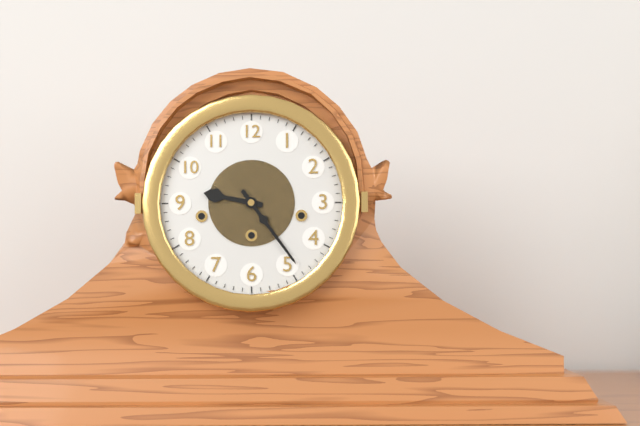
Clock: 9:24
